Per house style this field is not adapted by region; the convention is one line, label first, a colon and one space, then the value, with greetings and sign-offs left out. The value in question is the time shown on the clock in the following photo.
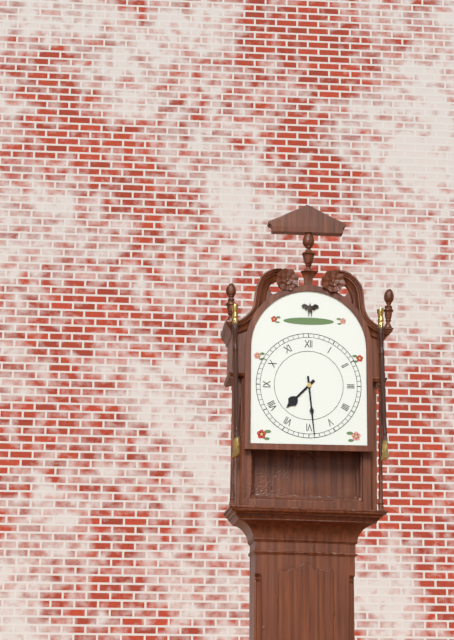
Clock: 7:29
